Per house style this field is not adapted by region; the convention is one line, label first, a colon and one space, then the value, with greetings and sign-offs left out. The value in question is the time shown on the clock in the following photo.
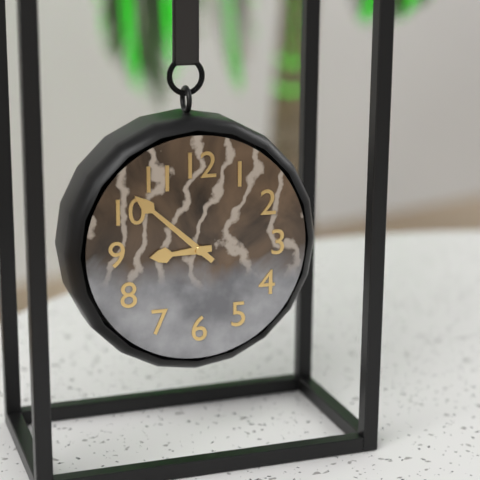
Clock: 8:52
